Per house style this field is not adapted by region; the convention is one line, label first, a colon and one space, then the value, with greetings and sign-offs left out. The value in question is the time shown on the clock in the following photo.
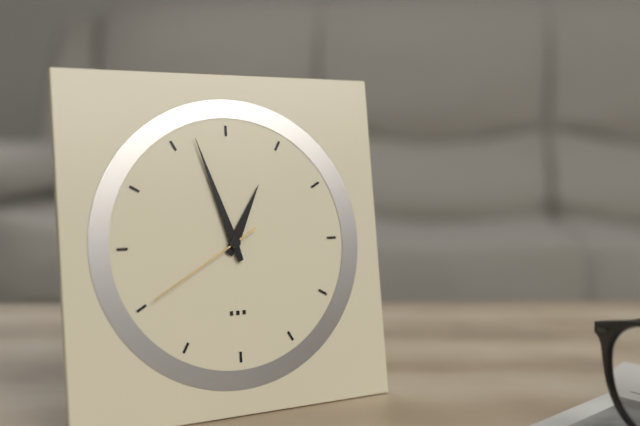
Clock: 12:57:40
